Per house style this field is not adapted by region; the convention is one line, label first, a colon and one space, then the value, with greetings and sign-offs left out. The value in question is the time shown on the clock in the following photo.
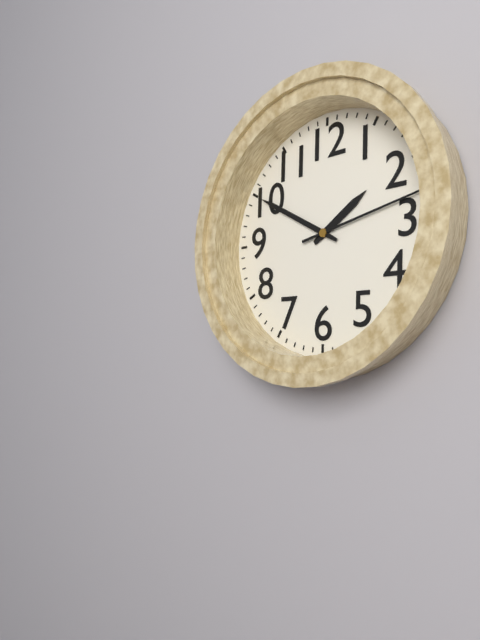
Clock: 1:50:13
